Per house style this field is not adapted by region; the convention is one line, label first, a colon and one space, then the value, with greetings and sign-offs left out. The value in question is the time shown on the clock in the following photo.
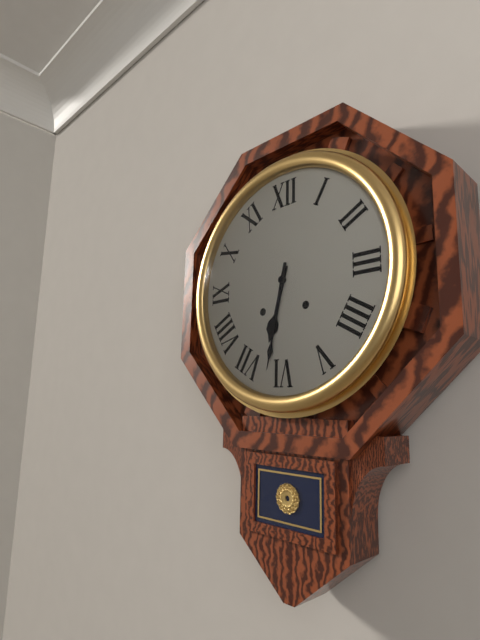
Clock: 6:32
